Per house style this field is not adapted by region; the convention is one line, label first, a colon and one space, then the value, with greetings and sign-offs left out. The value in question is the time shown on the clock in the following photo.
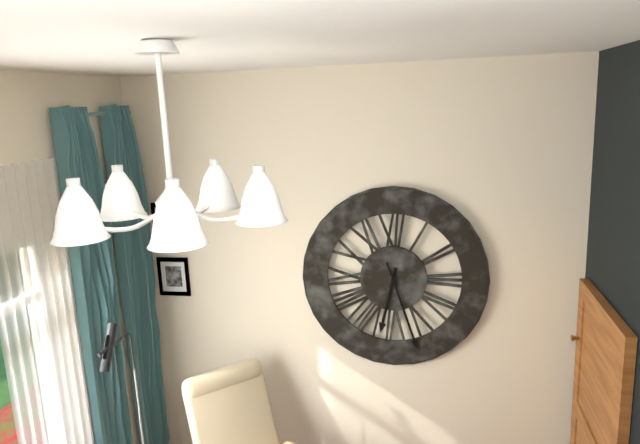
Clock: 6:27
